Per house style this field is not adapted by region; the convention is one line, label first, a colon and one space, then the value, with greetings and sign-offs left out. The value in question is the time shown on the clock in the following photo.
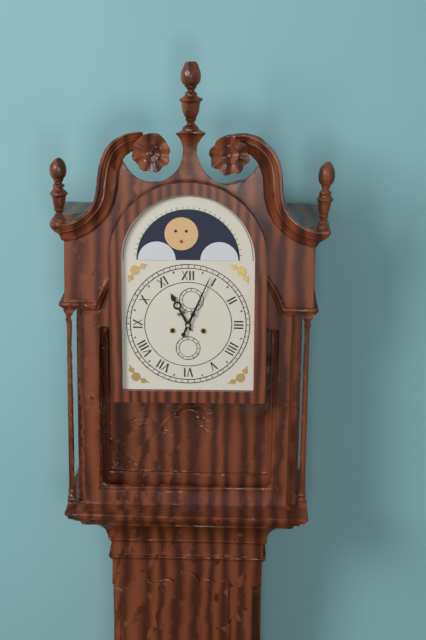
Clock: 11:04
